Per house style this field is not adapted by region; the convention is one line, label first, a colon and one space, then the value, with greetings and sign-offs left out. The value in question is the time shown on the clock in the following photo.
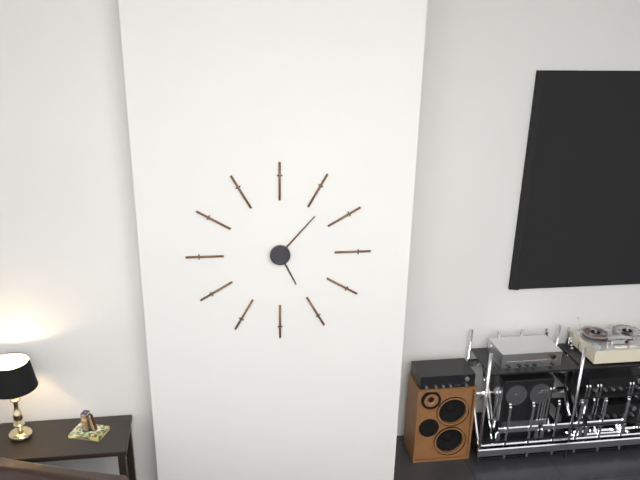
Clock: 5:07
